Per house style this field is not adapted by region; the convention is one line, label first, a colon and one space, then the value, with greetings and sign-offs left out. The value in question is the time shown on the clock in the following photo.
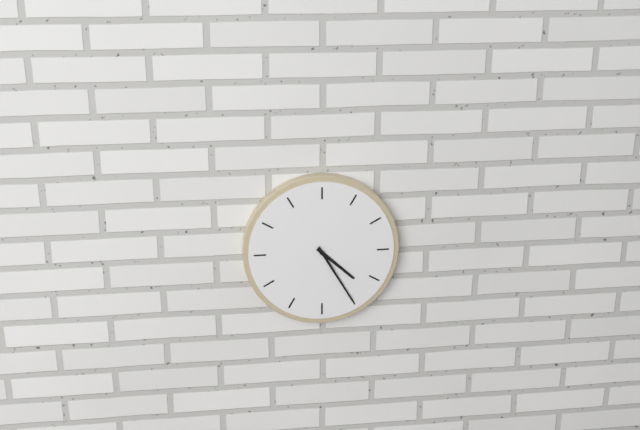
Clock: 4:25
